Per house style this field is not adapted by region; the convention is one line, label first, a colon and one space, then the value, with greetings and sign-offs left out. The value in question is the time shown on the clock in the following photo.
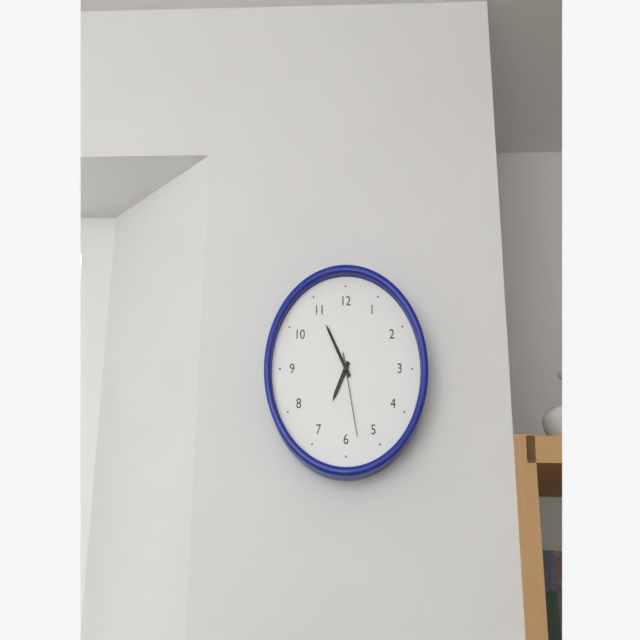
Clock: 6:55:28
